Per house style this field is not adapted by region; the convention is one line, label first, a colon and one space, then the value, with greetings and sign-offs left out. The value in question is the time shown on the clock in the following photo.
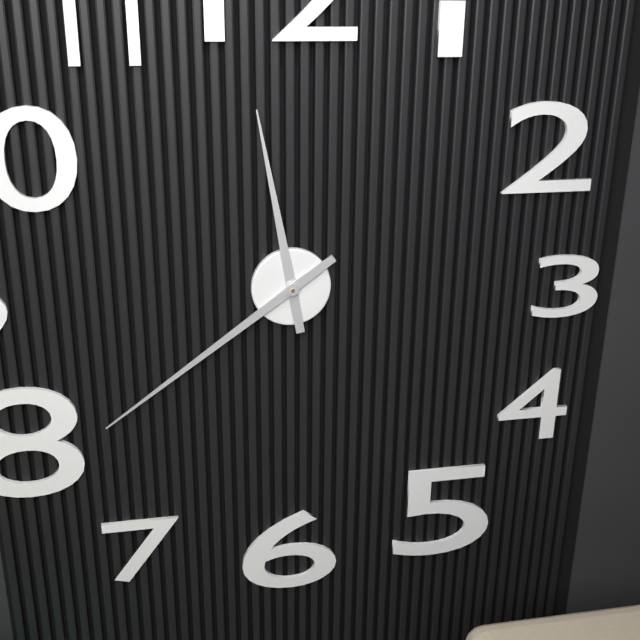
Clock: 11:39
